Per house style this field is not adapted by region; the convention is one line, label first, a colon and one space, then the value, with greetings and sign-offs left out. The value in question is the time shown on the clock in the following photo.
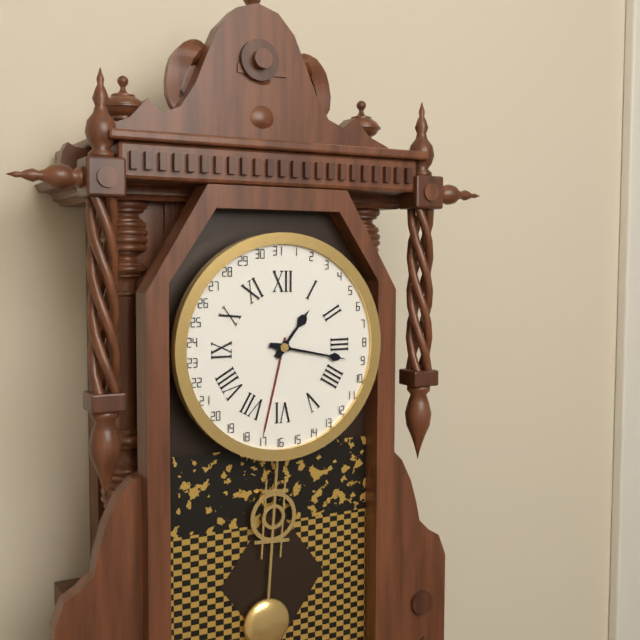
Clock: 1:17
